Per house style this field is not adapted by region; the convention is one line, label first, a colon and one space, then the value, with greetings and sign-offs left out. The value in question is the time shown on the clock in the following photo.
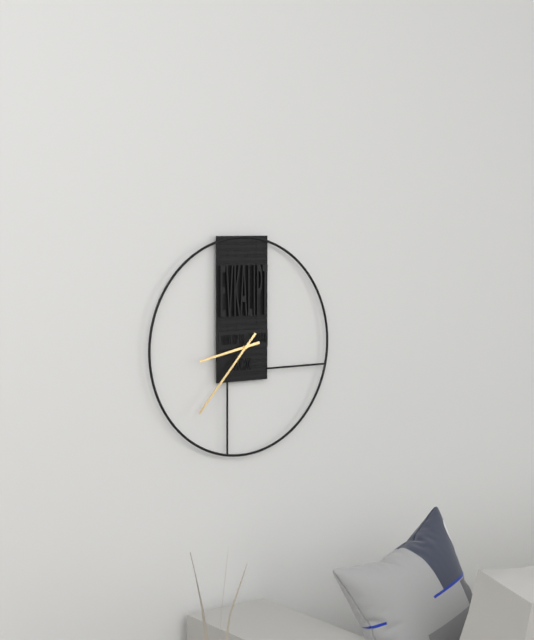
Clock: 8:37
